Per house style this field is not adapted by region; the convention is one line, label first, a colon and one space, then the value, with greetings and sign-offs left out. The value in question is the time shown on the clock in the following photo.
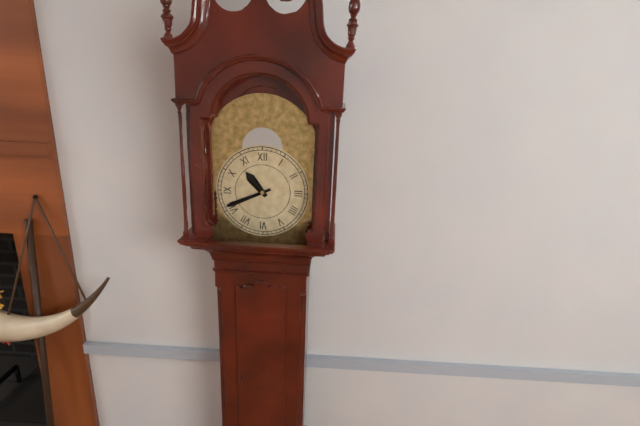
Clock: 10:41
